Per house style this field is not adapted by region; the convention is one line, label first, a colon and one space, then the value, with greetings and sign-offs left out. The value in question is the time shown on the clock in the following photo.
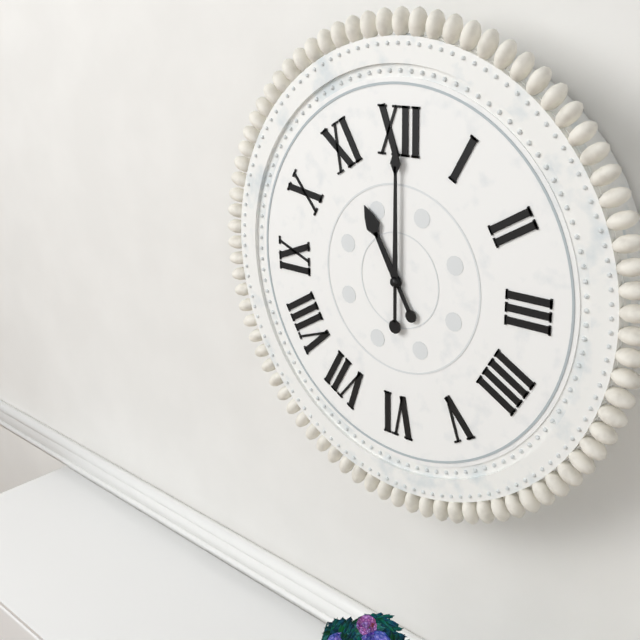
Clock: 11:00
